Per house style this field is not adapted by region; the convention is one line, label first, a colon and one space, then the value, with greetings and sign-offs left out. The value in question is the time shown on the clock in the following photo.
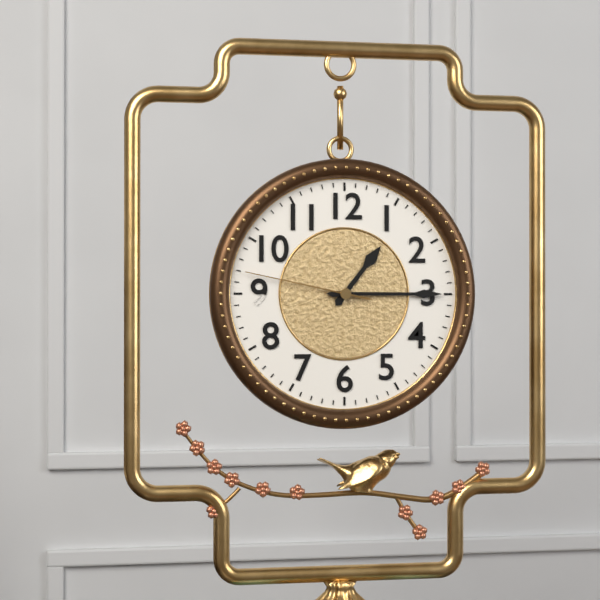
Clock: 1:15:47
